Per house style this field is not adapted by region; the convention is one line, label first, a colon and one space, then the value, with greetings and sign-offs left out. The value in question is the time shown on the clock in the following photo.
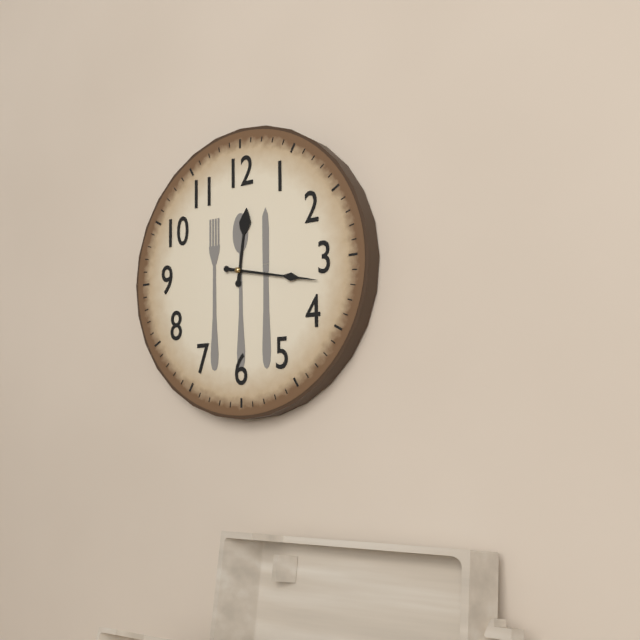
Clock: 12:17
